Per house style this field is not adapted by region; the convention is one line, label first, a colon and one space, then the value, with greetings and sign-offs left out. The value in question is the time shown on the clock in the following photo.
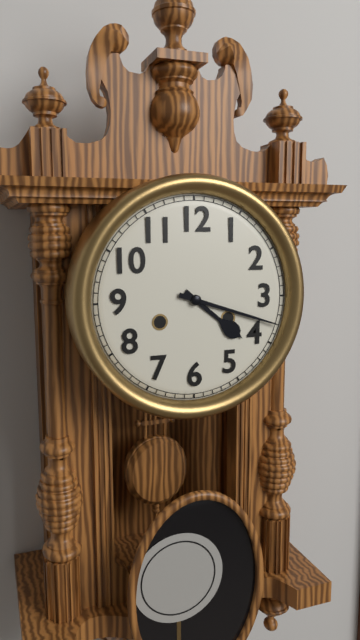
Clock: 4:18
